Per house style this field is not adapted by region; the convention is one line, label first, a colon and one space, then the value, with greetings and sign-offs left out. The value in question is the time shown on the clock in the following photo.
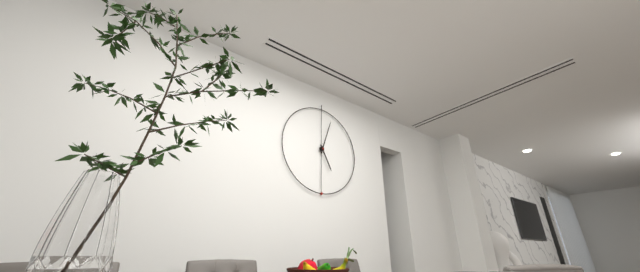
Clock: 5:03
